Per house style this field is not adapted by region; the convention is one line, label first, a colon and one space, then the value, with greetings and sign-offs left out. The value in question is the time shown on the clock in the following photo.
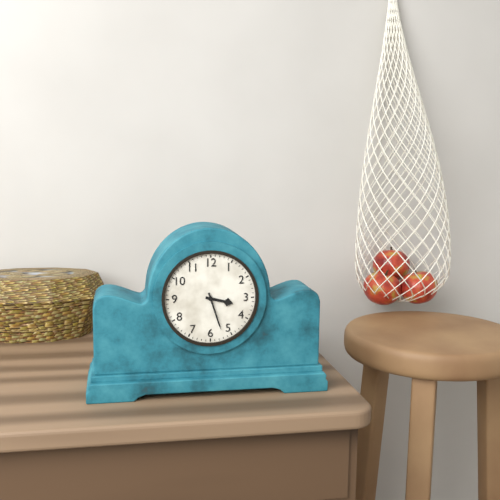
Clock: 3:27
